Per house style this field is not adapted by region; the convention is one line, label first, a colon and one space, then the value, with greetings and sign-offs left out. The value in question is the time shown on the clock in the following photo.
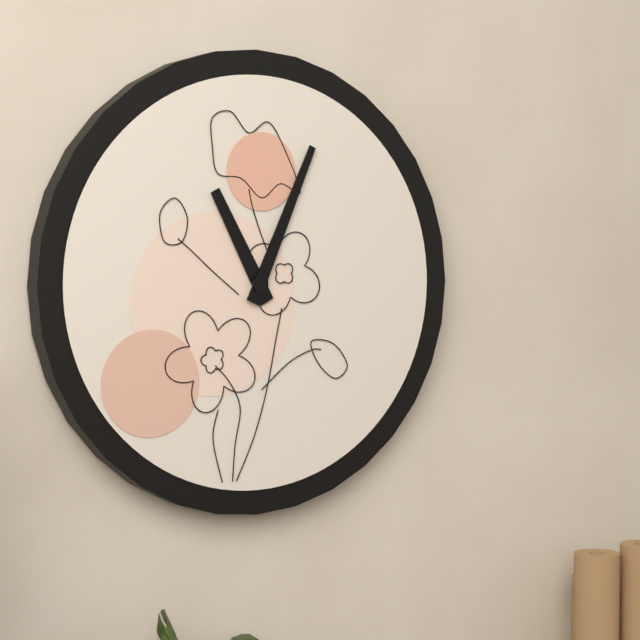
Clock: 11:04
